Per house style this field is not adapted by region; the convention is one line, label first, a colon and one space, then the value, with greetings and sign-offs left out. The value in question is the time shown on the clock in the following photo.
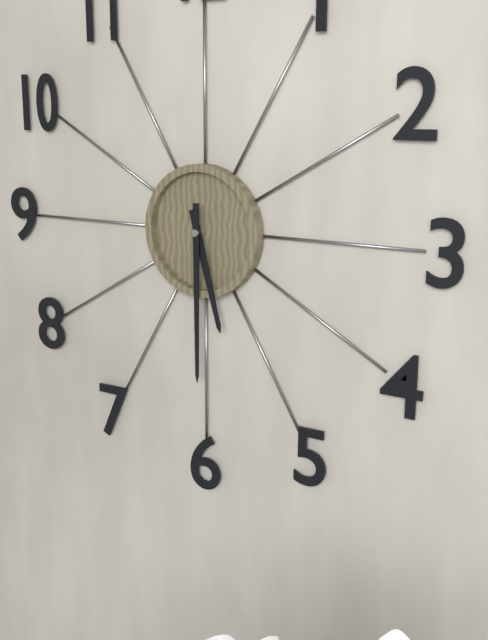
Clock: 5:30
